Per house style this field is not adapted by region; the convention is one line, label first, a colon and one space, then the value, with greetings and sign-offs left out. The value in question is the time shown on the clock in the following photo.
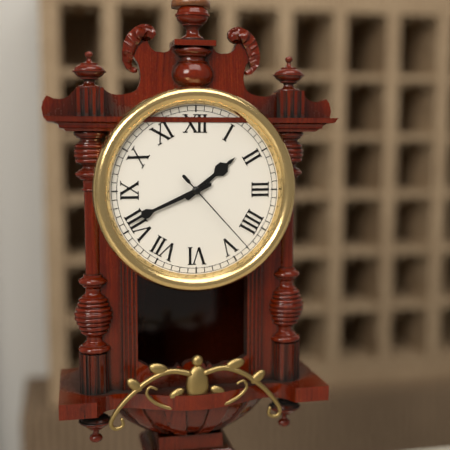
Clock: 1:41:23
